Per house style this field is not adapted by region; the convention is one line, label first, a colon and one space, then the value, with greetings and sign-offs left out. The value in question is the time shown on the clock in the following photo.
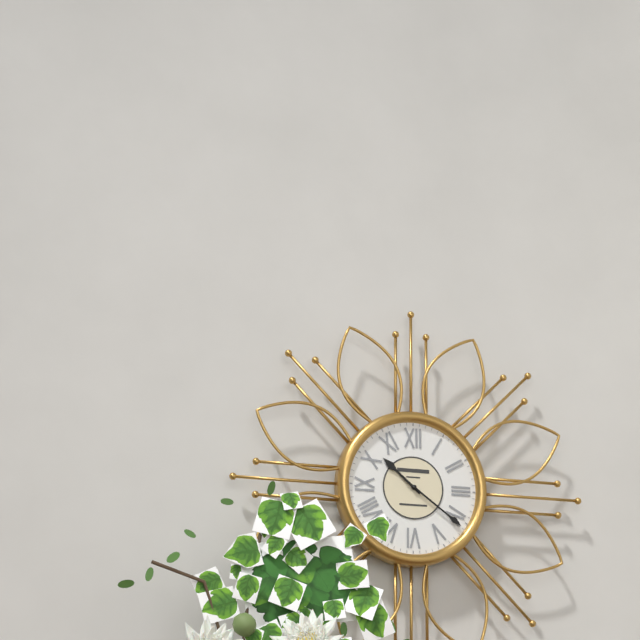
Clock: 10:21
